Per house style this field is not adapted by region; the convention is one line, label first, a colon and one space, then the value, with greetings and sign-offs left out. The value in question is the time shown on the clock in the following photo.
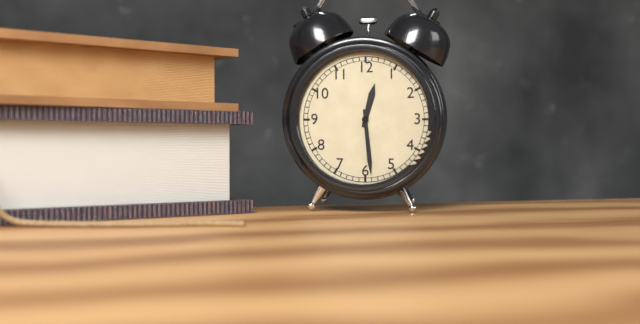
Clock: 12:29
